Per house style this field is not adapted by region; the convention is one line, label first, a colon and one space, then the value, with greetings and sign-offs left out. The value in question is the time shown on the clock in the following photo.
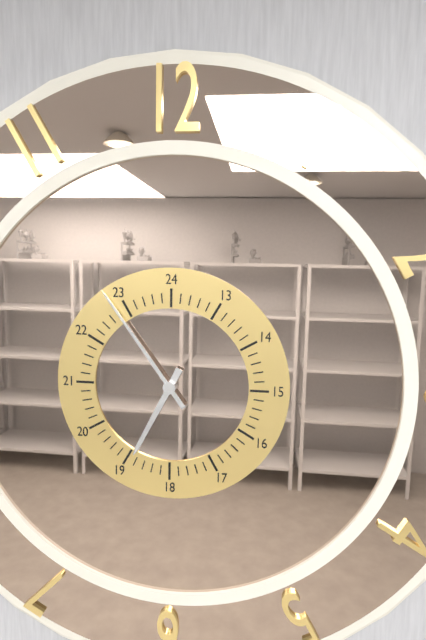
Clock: 6:54
